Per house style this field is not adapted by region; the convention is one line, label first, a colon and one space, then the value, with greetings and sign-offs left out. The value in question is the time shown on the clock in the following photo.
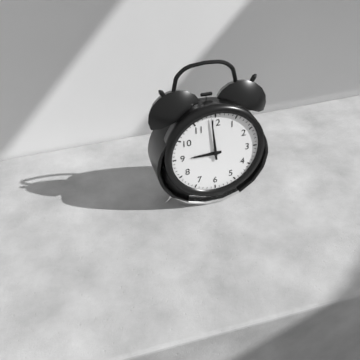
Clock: 8:59
